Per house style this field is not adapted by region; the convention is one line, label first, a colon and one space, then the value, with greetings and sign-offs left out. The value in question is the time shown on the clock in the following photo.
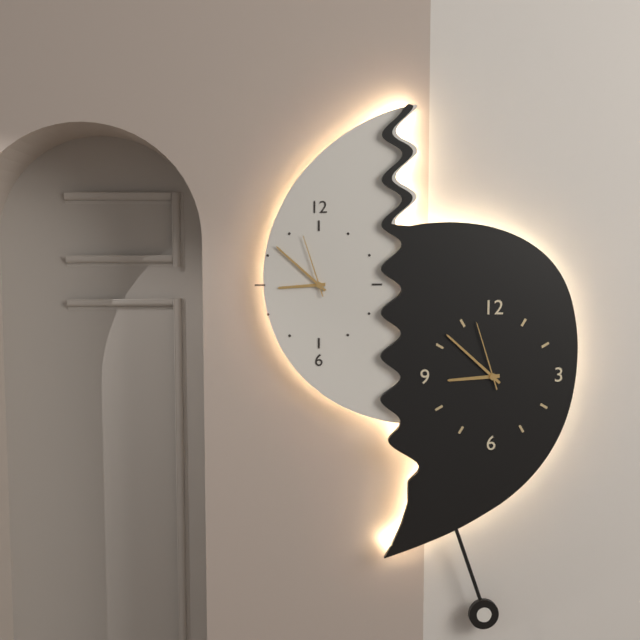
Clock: 8:52:57
